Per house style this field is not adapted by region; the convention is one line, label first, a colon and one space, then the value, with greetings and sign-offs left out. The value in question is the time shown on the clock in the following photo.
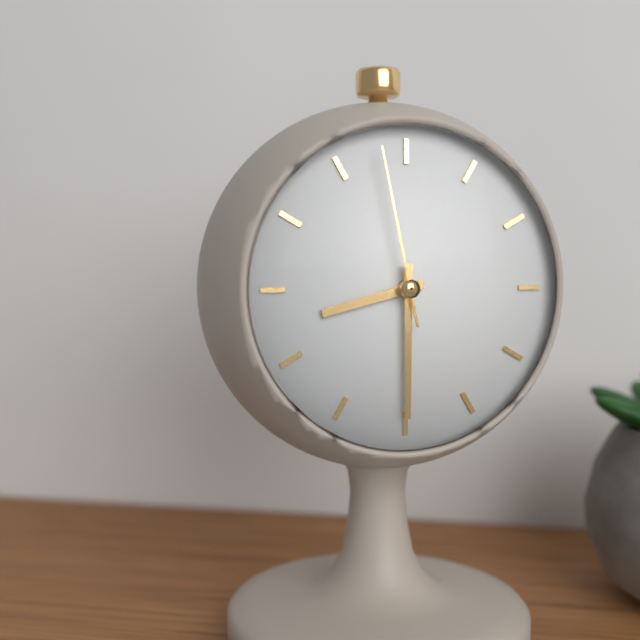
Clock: 8:30:58
